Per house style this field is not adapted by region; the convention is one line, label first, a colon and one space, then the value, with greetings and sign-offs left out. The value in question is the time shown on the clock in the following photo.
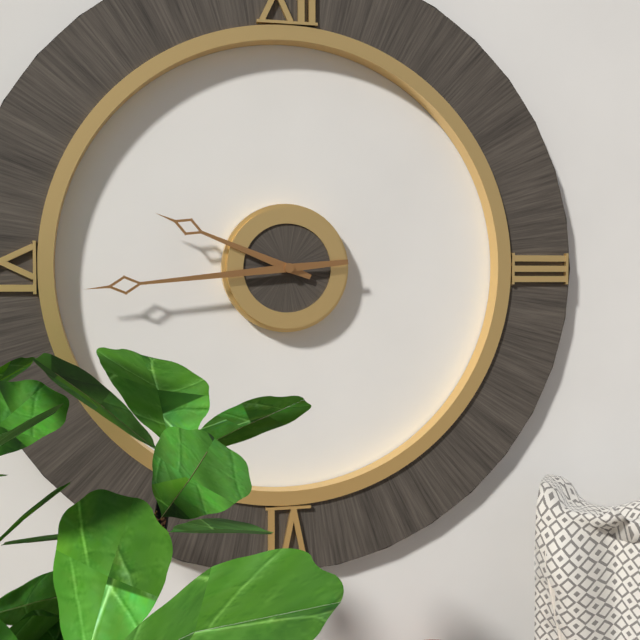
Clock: 9:44
